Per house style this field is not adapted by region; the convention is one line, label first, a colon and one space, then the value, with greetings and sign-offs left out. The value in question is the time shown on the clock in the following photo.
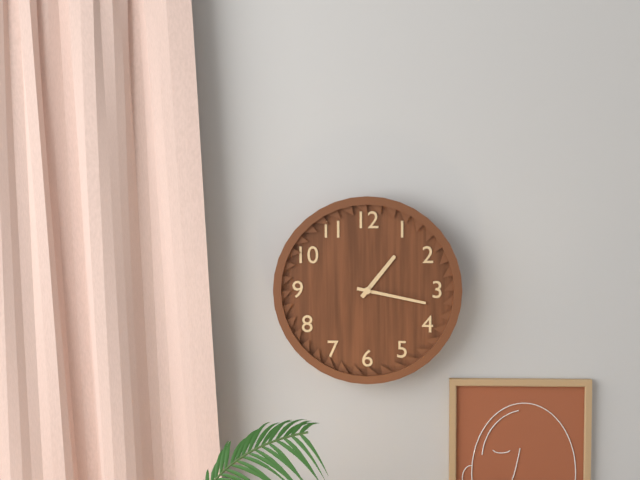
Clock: 1:17
